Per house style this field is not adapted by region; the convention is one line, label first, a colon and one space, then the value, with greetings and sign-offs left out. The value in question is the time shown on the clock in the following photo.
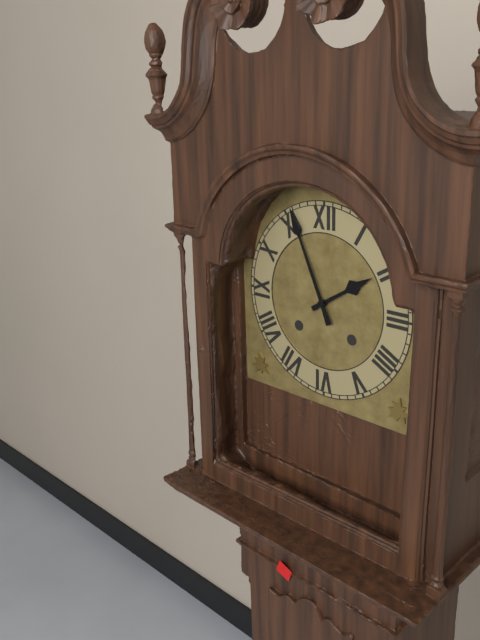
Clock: 1:56
